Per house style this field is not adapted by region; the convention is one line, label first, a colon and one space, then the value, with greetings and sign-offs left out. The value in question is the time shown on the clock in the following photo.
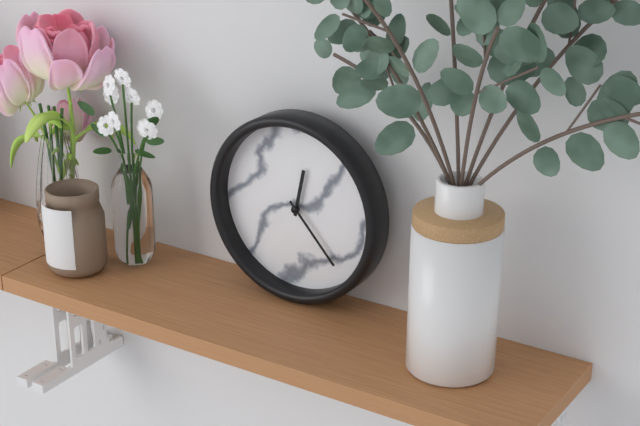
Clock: 12:23
